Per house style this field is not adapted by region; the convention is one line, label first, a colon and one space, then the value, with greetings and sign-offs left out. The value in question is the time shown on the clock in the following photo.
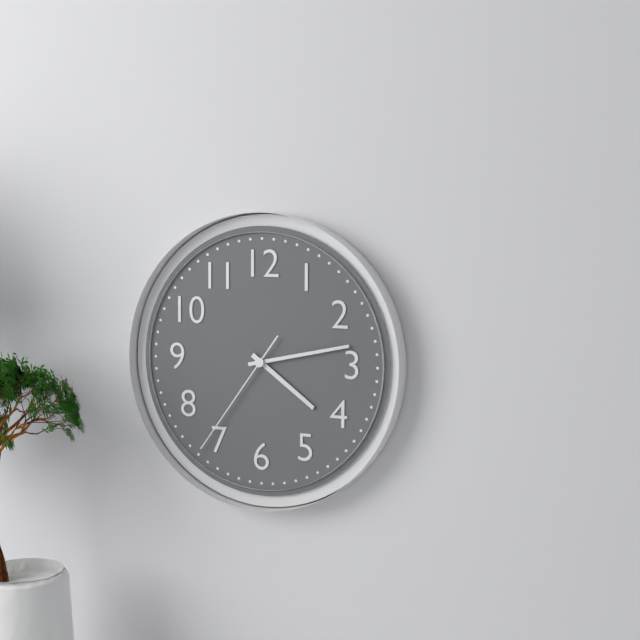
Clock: 4:13:36
